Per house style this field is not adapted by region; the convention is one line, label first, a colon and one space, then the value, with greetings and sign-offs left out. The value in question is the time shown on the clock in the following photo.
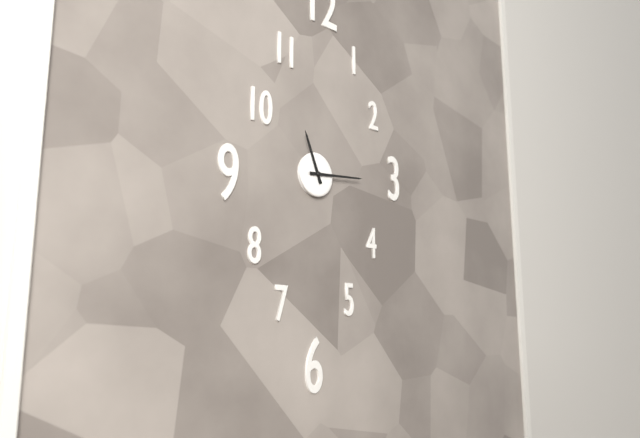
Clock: 11:14
